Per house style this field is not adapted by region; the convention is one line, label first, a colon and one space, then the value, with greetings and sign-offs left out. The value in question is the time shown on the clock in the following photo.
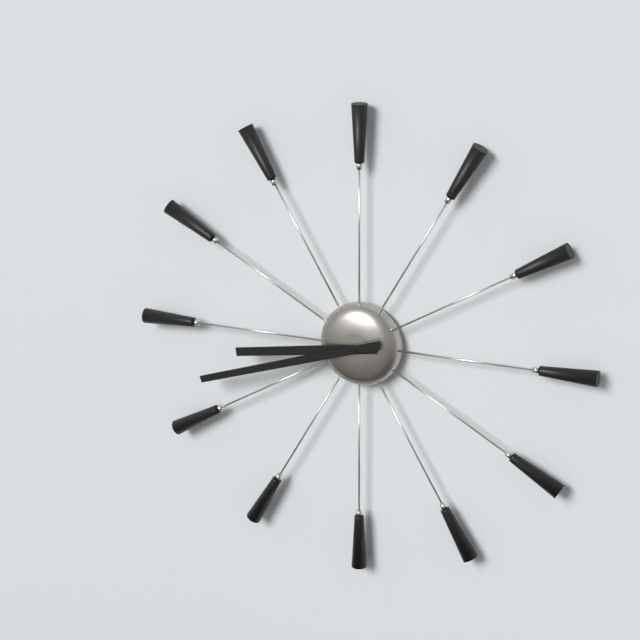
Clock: 8:42
